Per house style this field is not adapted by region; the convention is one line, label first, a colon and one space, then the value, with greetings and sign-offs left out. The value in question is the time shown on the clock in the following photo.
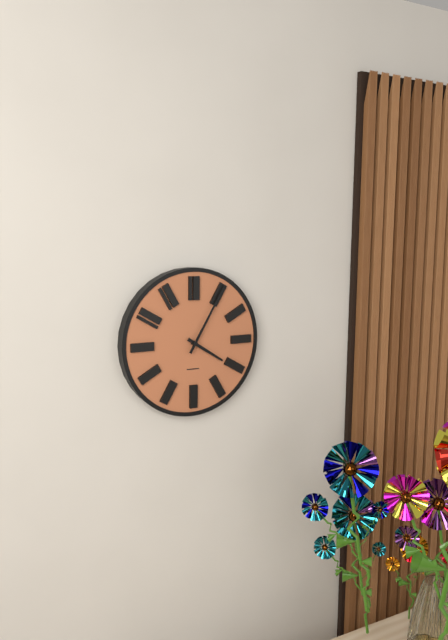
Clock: 4:05
